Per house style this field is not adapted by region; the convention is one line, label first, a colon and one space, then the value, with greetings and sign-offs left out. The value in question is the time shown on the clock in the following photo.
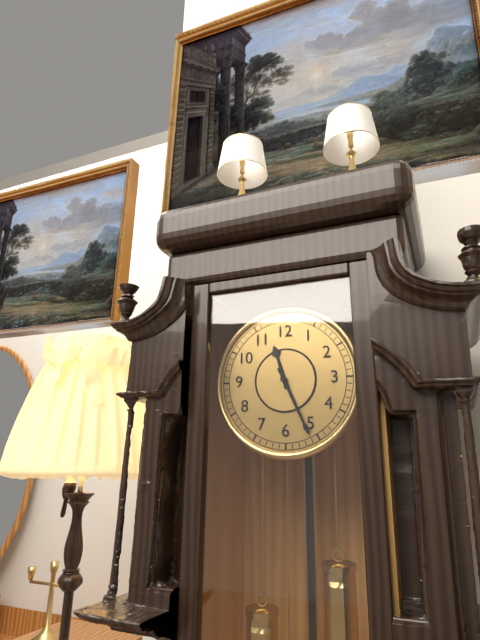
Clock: 11:26
